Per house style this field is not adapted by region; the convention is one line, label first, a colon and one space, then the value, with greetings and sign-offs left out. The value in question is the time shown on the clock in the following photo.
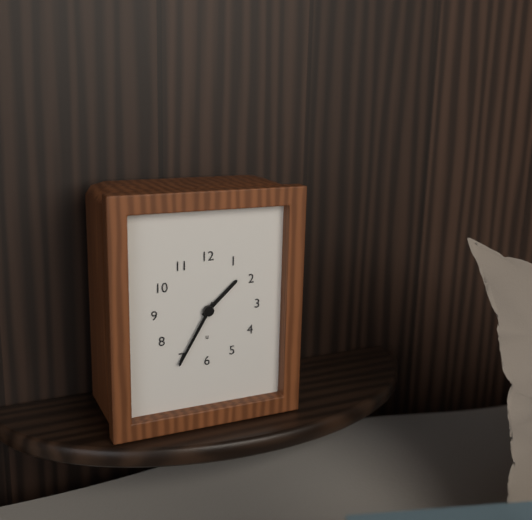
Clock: 1:35
